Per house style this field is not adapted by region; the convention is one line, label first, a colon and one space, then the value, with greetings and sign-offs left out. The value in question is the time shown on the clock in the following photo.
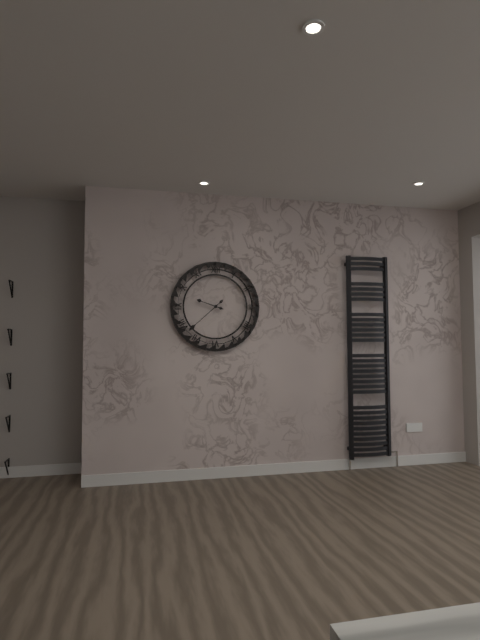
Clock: 9:38
